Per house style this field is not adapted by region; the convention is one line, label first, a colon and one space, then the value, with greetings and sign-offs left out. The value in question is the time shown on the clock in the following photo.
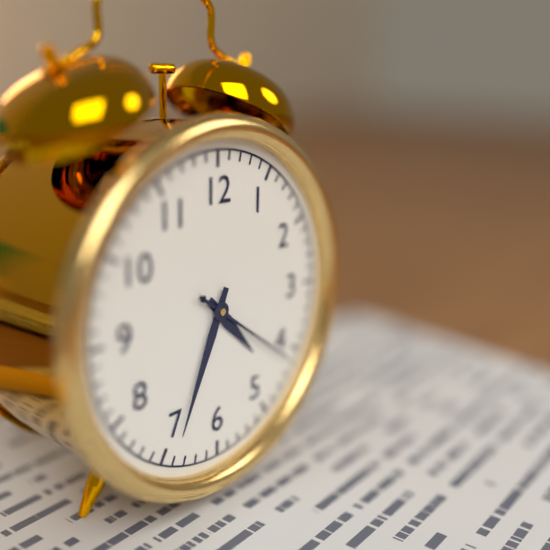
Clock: 4:34:21
